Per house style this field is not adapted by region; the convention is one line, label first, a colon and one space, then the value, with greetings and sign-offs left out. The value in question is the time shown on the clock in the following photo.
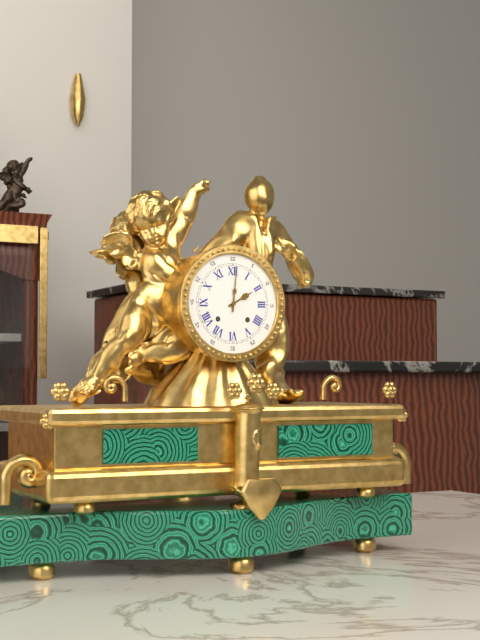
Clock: 2:01
